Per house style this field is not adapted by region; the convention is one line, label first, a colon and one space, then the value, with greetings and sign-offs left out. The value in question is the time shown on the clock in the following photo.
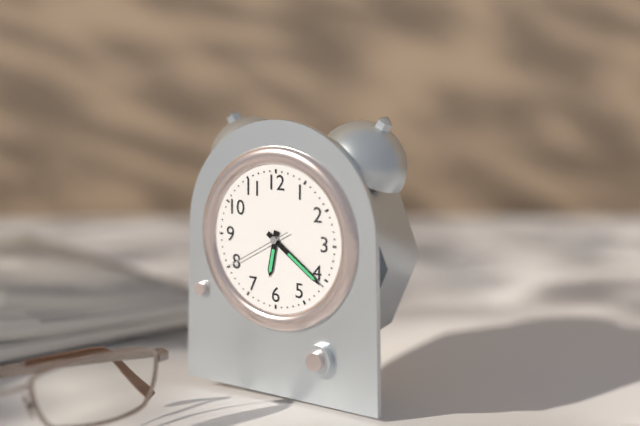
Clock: 6:21:40
